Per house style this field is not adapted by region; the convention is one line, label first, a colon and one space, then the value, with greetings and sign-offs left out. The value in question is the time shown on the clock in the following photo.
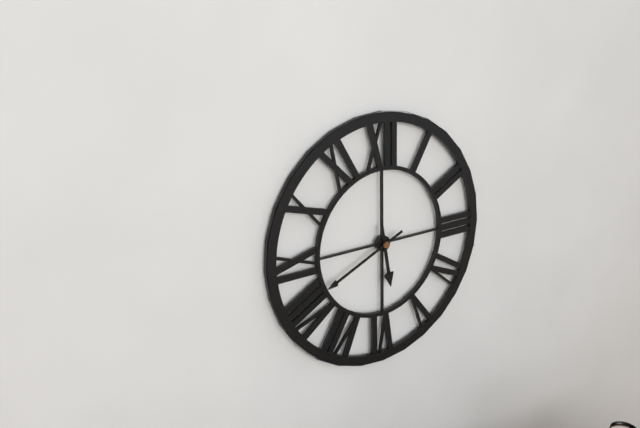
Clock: 5:41
